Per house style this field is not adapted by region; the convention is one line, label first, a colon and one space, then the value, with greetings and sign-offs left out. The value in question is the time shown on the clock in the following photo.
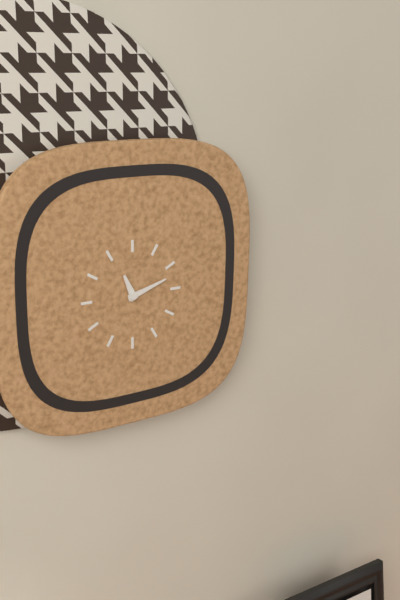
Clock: 11:12
